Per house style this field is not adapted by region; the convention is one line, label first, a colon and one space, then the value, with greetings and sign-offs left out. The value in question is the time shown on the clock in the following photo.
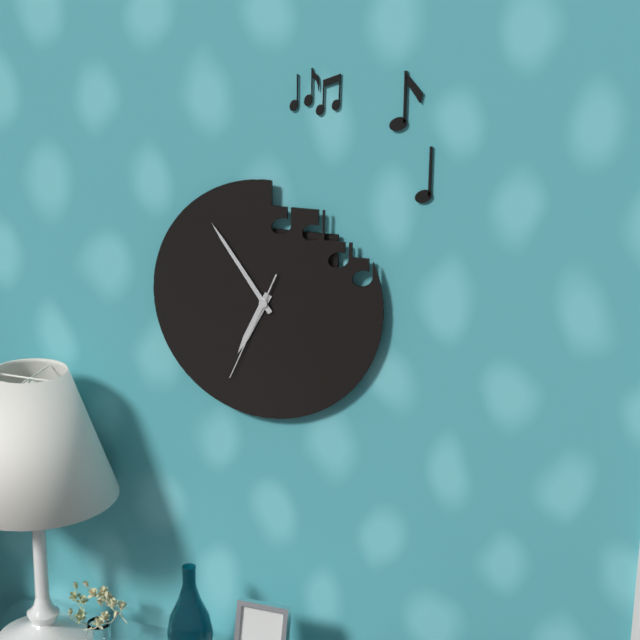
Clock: 6:54:34
